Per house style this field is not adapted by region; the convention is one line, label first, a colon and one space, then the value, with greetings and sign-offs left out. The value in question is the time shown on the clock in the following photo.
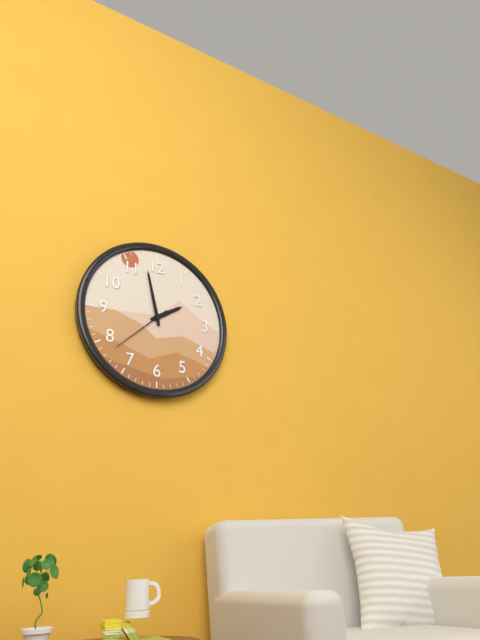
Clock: 1:58:38
